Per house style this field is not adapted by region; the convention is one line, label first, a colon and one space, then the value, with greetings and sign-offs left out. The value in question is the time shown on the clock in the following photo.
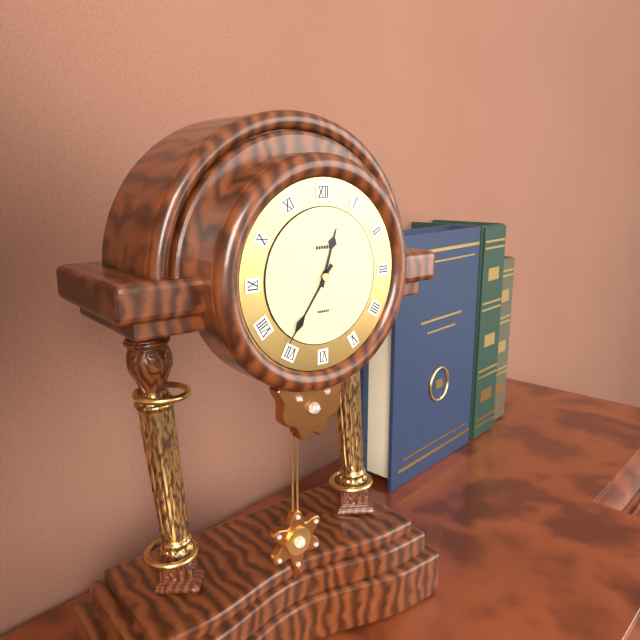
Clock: 12:36
